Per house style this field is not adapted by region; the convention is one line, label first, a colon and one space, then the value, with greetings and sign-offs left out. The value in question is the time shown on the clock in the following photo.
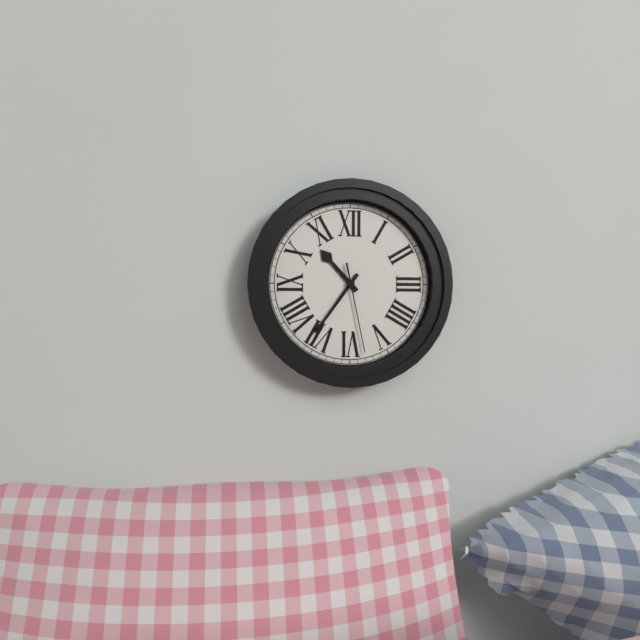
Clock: 10:36:28
